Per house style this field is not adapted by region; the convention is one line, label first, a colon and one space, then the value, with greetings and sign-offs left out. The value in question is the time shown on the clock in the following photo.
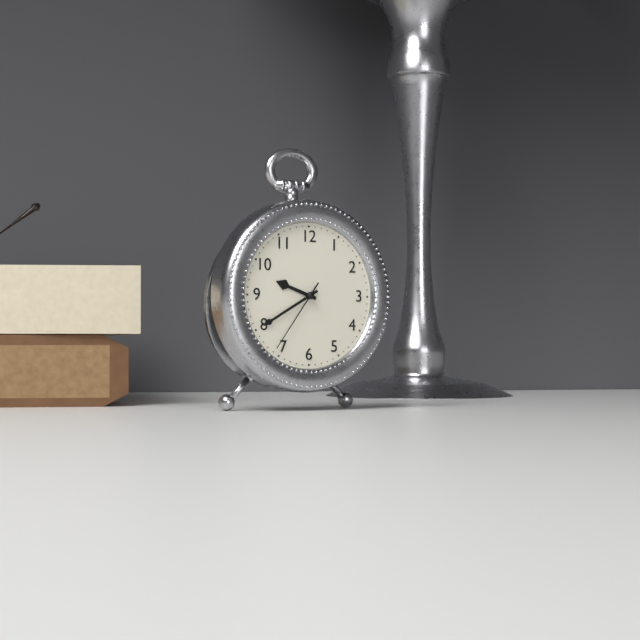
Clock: 9:40:36
